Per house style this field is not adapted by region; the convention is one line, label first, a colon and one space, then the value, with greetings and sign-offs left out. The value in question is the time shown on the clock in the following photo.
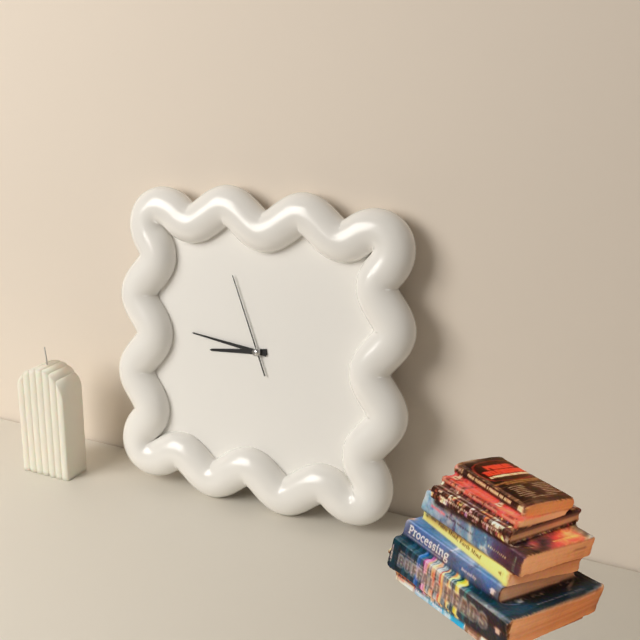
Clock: 8:46:56
